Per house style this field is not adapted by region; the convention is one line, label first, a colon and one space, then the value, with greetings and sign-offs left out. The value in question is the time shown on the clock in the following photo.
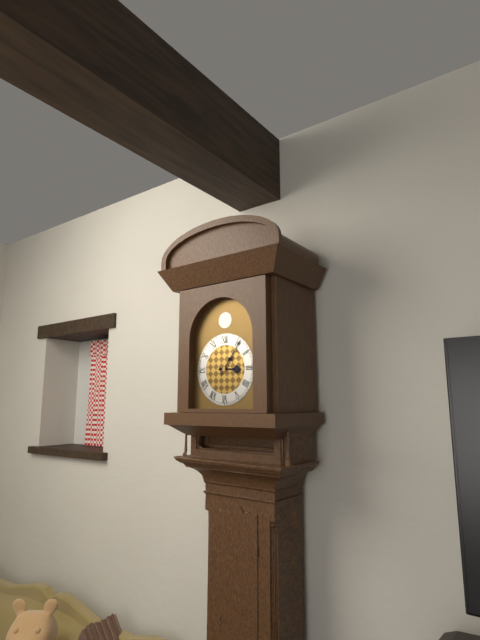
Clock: 3:06
